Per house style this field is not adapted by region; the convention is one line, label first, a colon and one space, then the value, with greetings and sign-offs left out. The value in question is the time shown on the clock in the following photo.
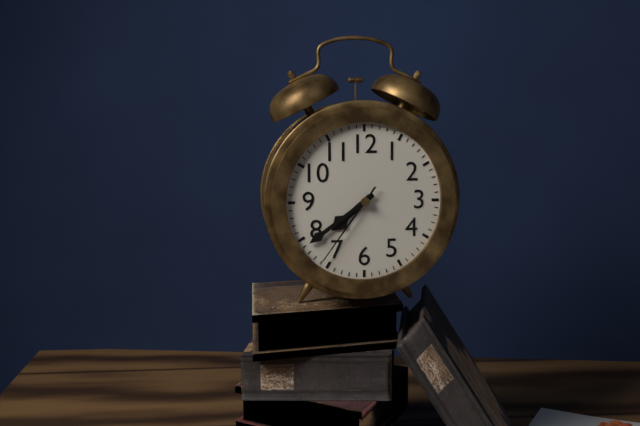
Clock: 7:39:36
